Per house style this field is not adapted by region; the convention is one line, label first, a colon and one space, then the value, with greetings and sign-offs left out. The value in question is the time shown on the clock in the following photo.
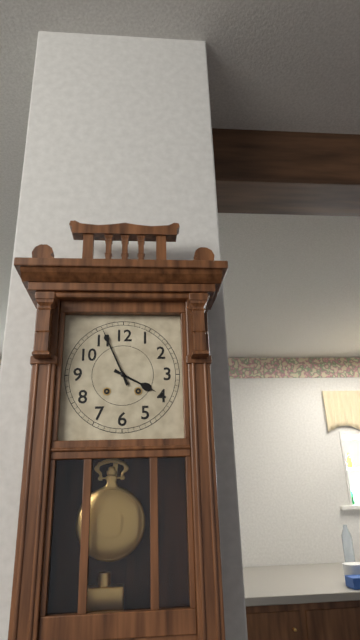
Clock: 3:56
